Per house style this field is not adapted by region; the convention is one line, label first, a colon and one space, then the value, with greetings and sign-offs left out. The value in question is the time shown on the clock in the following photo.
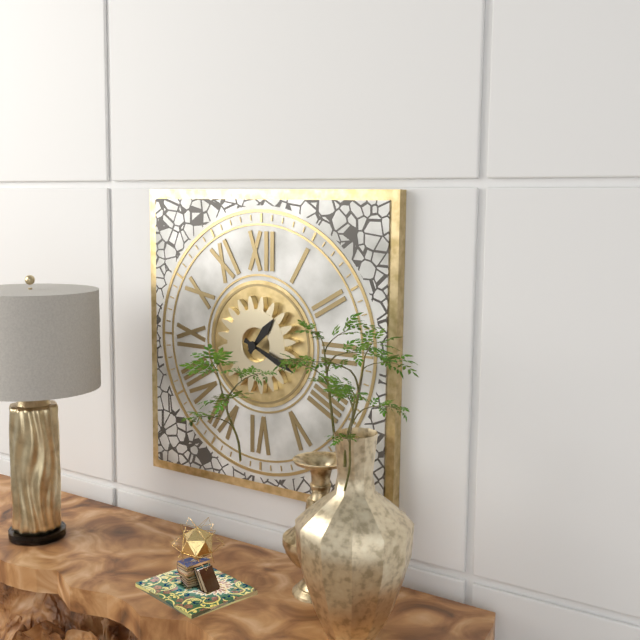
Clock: 1:19
